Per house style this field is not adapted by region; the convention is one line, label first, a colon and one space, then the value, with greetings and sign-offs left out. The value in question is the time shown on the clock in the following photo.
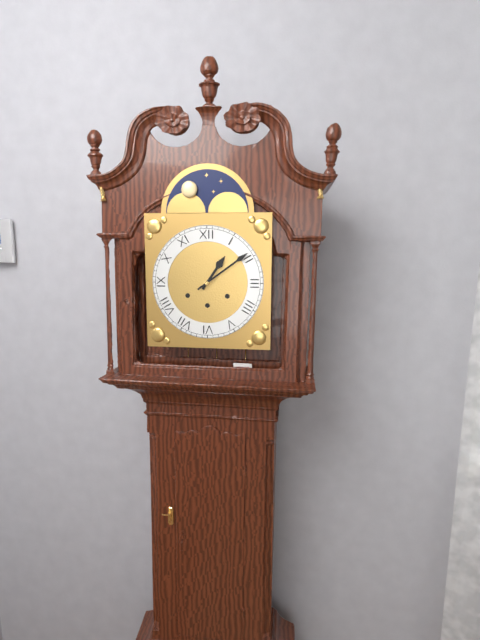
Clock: 1:09
